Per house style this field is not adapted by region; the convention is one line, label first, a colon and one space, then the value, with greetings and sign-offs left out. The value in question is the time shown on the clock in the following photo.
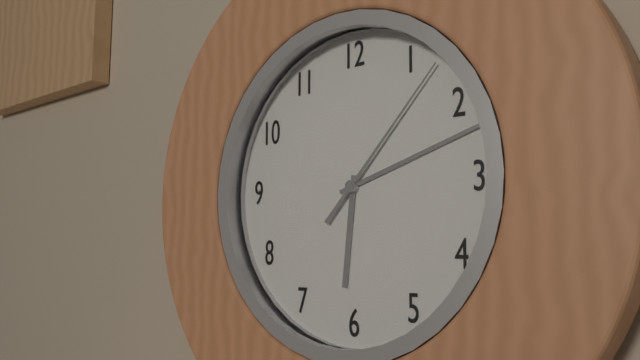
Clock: 6:12:07
